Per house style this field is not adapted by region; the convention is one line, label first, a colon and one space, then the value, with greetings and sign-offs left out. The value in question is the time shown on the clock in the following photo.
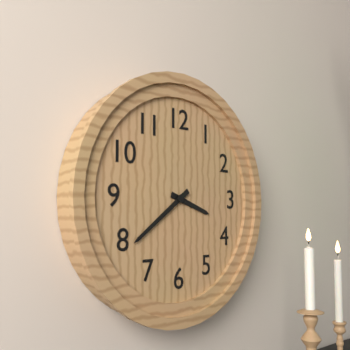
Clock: 3:39
